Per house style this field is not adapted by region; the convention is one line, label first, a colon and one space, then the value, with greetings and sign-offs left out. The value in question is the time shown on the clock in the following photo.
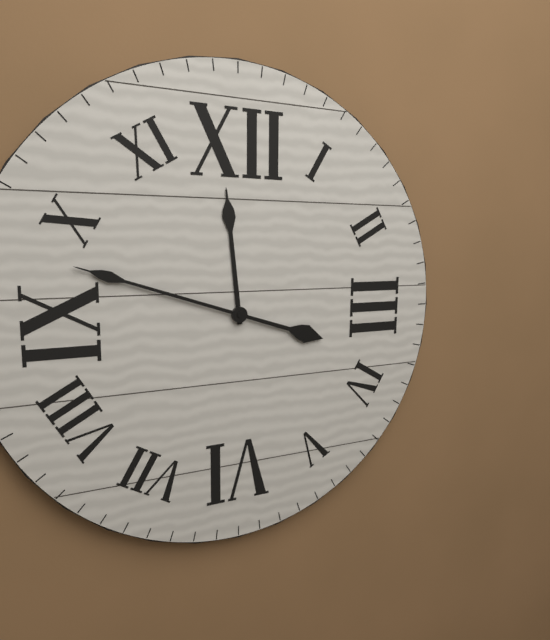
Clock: 11:48
